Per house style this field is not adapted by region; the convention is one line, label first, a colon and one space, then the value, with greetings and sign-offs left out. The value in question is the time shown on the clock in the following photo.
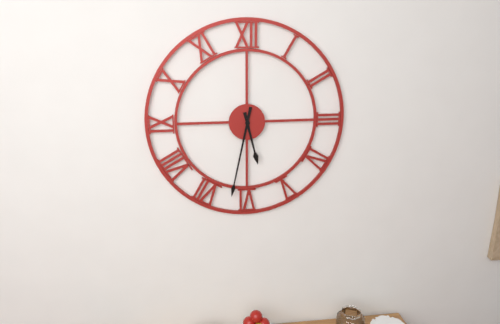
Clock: 5:32
